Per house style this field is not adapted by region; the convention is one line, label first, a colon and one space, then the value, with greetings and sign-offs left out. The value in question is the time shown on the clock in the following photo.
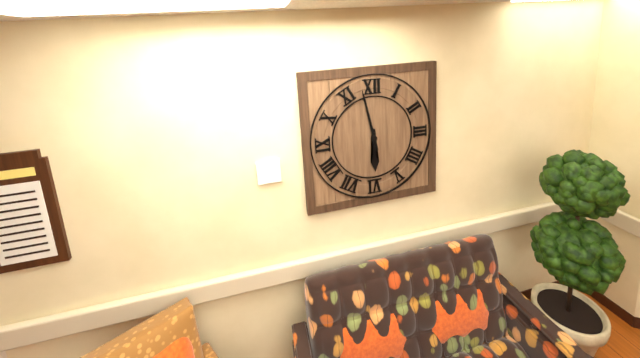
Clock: 5:58
